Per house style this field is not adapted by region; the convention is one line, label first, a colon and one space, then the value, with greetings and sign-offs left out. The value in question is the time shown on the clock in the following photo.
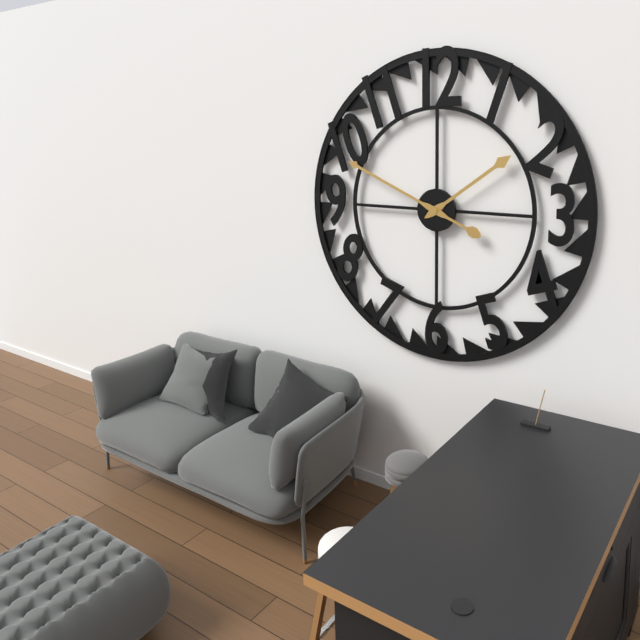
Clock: 1:49
